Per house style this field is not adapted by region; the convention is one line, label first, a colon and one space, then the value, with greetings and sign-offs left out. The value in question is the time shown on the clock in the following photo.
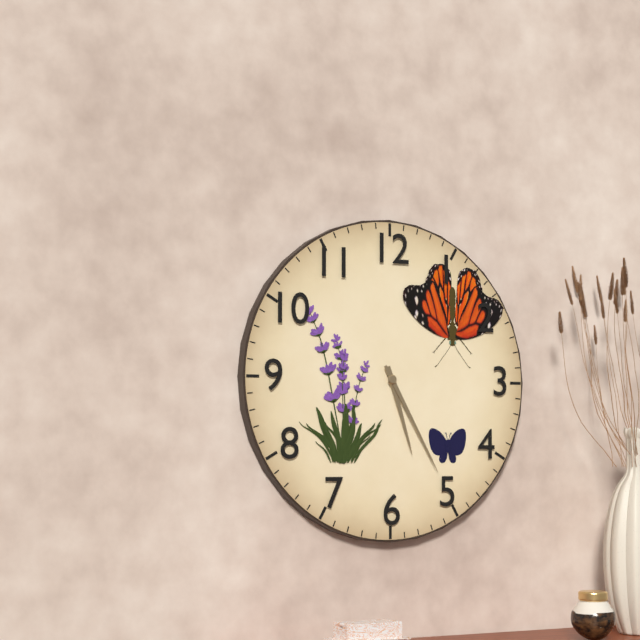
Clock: 5:25
